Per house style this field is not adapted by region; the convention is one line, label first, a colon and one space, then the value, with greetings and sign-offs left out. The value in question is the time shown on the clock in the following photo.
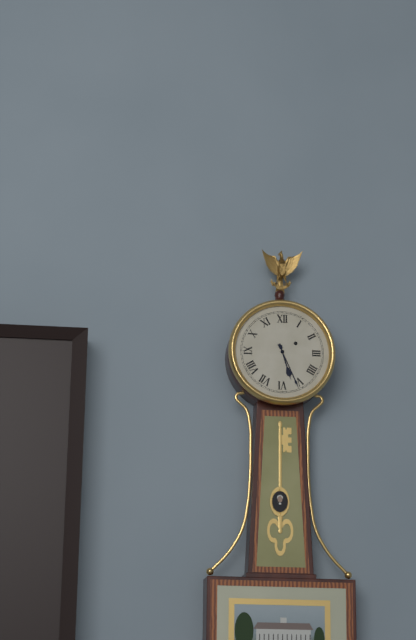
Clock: 5:26
